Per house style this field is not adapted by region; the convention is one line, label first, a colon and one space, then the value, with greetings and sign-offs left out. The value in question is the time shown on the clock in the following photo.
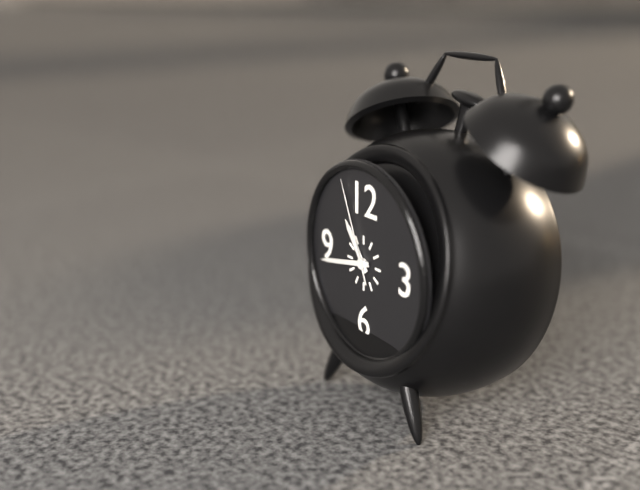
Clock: 10:43:56
